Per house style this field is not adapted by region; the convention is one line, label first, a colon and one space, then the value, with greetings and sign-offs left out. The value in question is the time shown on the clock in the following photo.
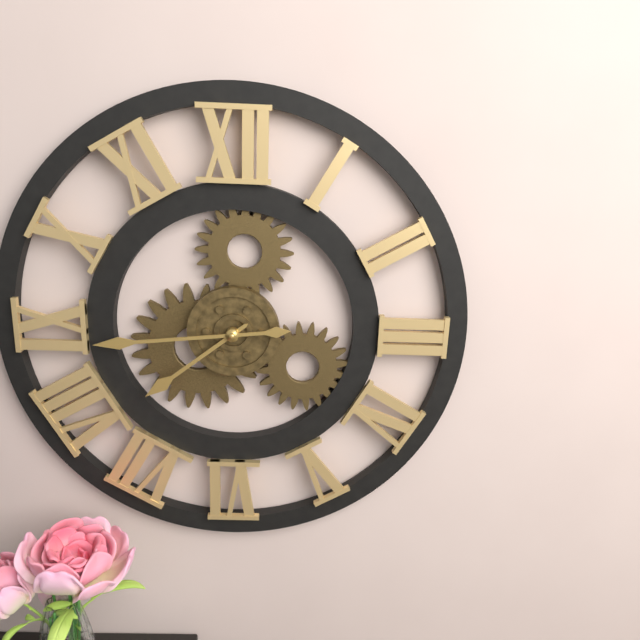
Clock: 7:44
